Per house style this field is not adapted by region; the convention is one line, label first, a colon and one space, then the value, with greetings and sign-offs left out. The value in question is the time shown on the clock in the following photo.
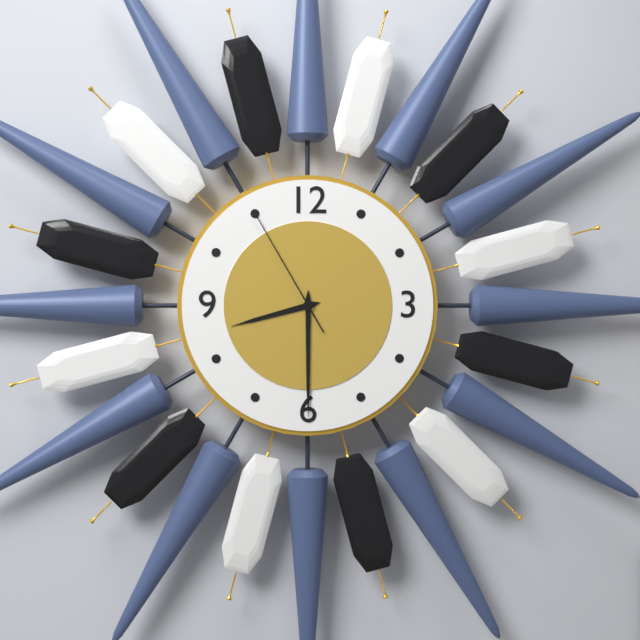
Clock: 8:30:55
